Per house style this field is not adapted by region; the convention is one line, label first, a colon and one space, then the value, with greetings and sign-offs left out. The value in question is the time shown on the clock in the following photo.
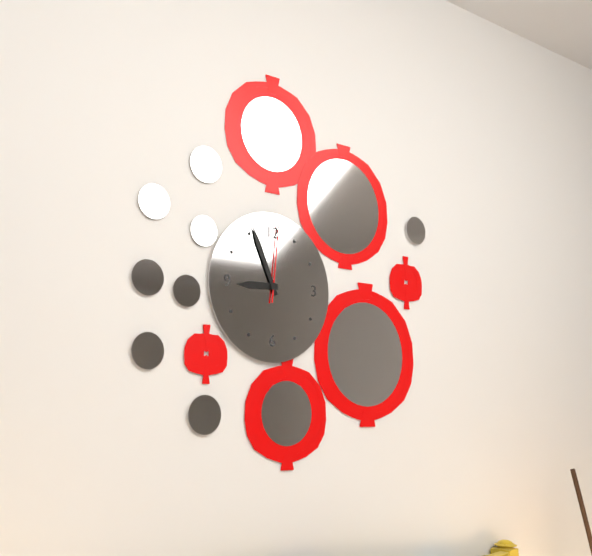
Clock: 8:56:01
